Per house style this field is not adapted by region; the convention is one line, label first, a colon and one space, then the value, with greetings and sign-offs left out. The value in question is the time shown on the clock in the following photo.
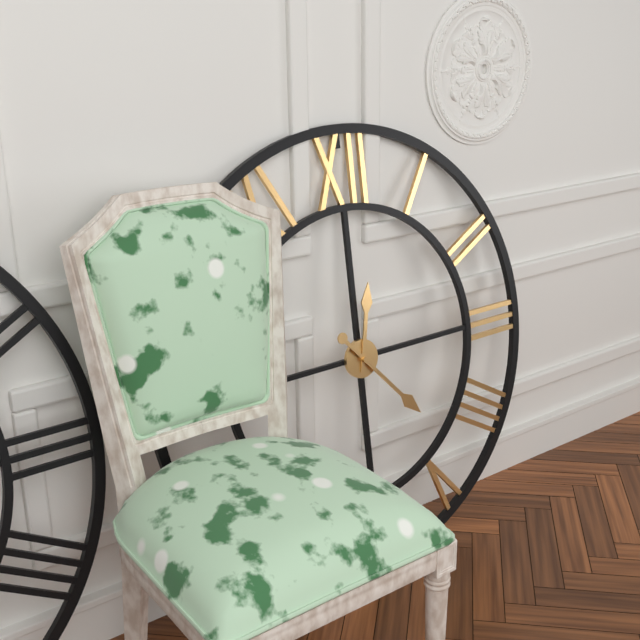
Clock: 12:23
